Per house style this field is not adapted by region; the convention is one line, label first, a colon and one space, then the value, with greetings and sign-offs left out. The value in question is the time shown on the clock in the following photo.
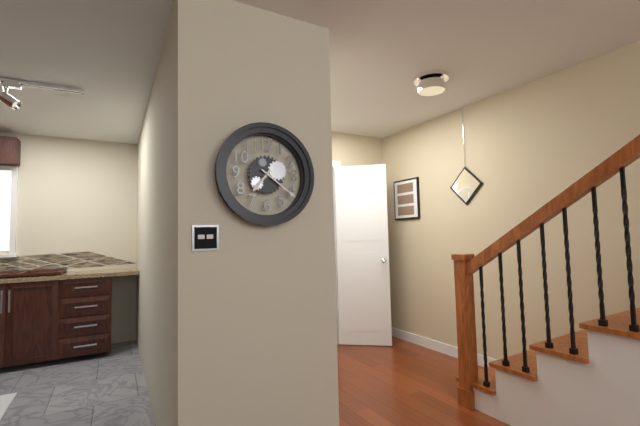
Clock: 7:21
